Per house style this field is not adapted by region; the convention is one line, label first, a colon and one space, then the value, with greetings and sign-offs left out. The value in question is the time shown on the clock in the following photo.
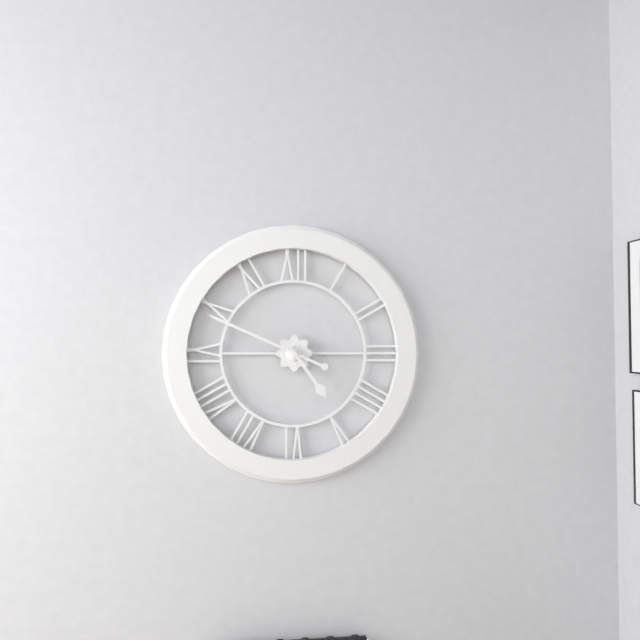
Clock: 4:49
